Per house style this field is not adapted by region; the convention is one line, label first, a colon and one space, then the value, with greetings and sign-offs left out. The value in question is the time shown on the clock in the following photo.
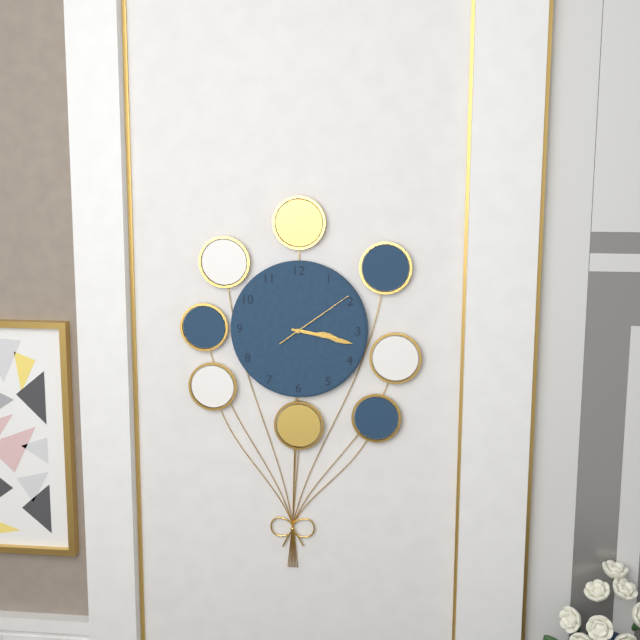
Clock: 3:17:09
